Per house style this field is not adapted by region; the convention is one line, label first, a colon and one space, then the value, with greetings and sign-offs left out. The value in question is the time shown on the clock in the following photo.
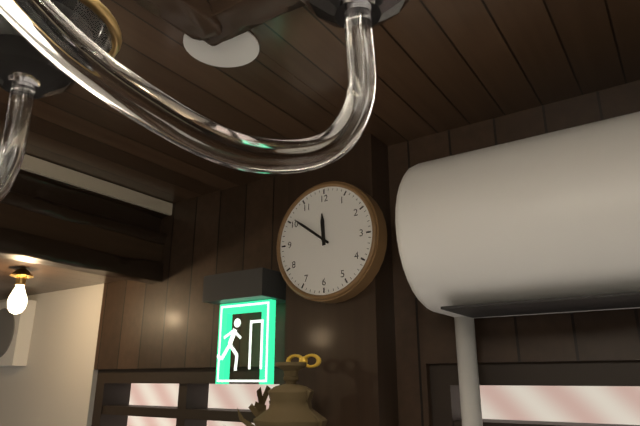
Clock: 11:51
